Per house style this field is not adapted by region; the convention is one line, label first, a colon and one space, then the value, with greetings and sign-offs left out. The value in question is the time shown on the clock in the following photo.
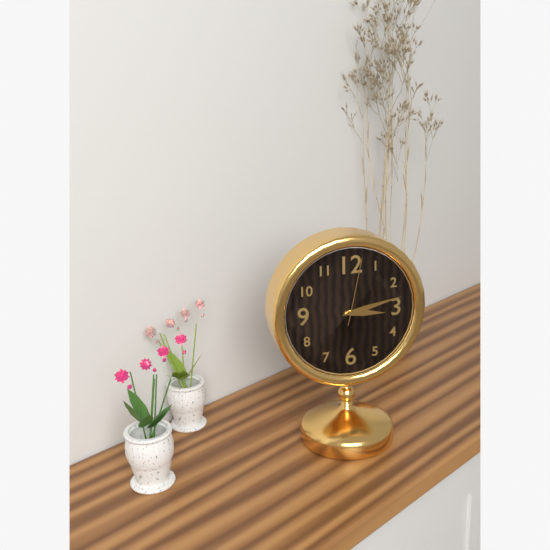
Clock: 3:13:02
